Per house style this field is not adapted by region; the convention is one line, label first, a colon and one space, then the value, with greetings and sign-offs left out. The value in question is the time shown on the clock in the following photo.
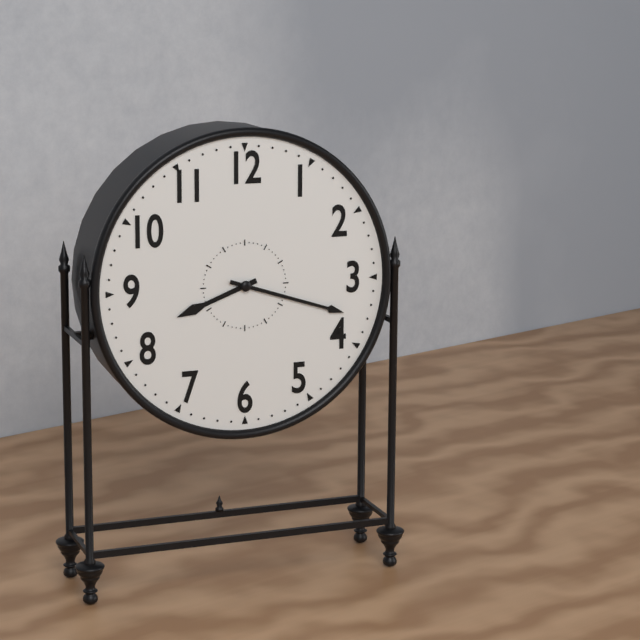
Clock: 8:18
